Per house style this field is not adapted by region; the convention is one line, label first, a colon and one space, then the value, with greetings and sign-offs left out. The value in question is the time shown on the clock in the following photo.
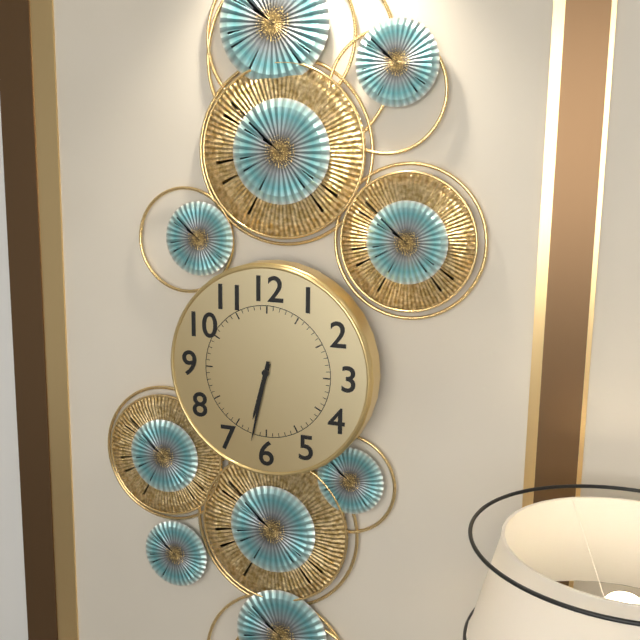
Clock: 6:32
